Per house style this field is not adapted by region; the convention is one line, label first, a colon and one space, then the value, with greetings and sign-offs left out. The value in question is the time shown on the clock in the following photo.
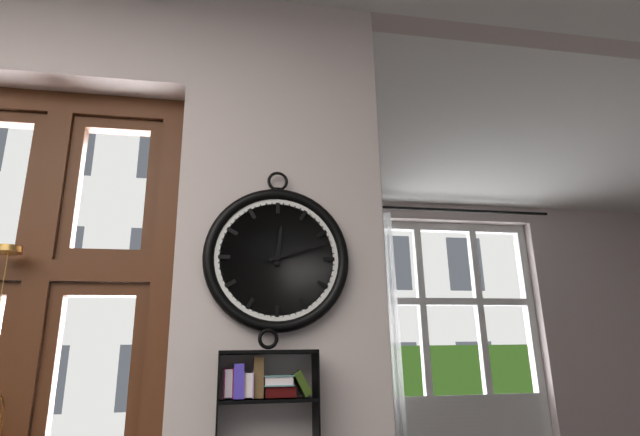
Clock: 12:12
